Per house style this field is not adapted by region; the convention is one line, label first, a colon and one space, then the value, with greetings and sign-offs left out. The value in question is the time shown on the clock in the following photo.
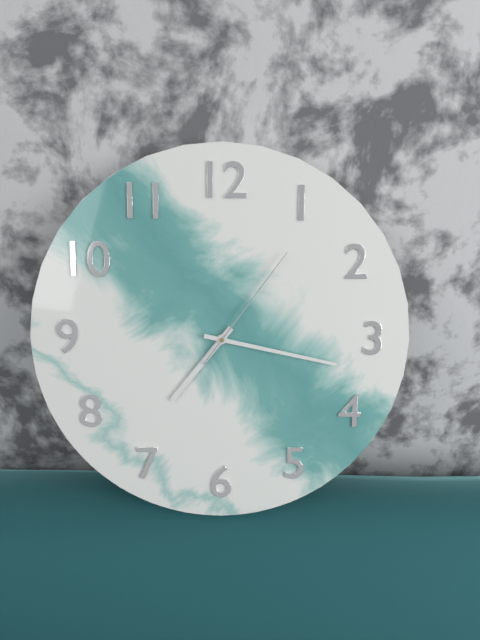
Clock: 7:17:06
